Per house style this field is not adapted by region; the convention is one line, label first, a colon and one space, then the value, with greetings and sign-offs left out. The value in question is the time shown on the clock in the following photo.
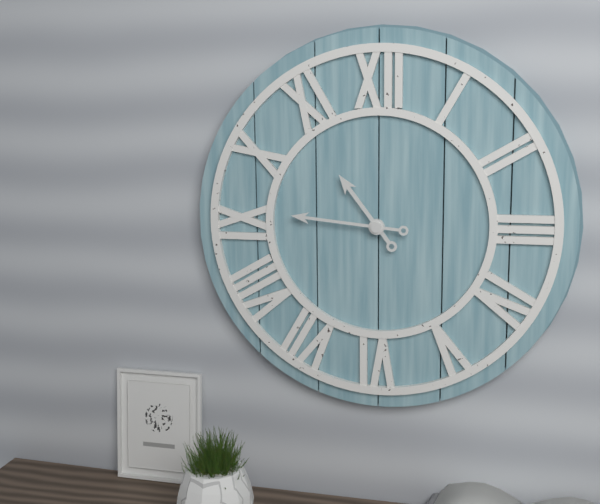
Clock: 10:46
